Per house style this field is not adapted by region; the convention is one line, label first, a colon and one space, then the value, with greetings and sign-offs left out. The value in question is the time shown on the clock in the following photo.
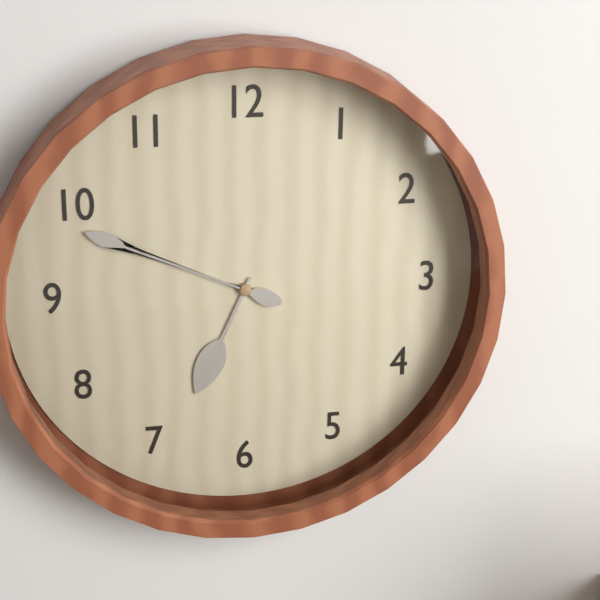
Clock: 6:49
